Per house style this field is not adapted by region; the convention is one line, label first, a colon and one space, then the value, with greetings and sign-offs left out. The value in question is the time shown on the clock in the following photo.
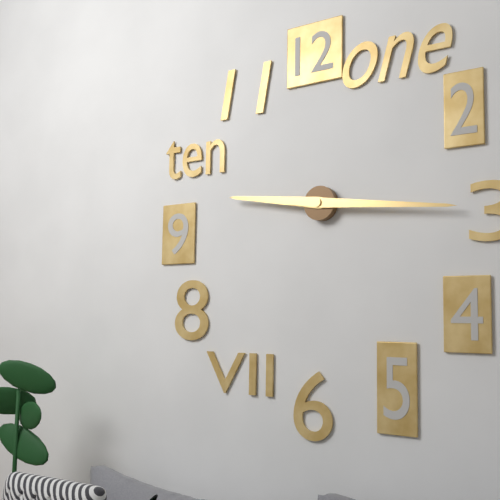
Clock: 9:16
